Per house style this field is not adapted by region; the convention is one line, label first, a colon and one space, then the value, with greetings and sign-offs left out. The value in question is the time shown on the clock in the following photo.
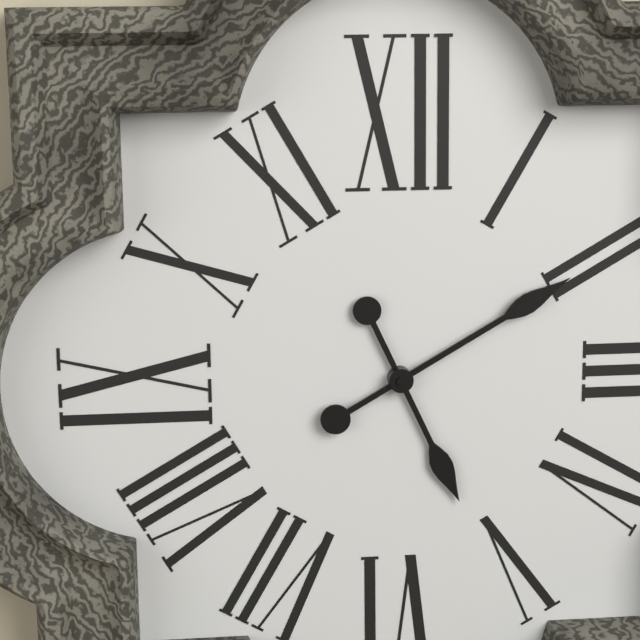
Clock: 5:10
